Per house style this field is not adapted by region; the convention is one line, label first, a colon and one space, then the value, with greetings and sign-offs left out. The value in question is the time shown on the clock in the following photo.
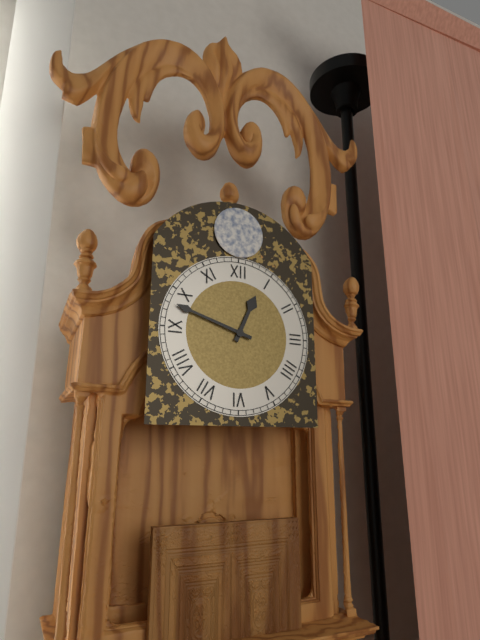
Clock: 12:48
